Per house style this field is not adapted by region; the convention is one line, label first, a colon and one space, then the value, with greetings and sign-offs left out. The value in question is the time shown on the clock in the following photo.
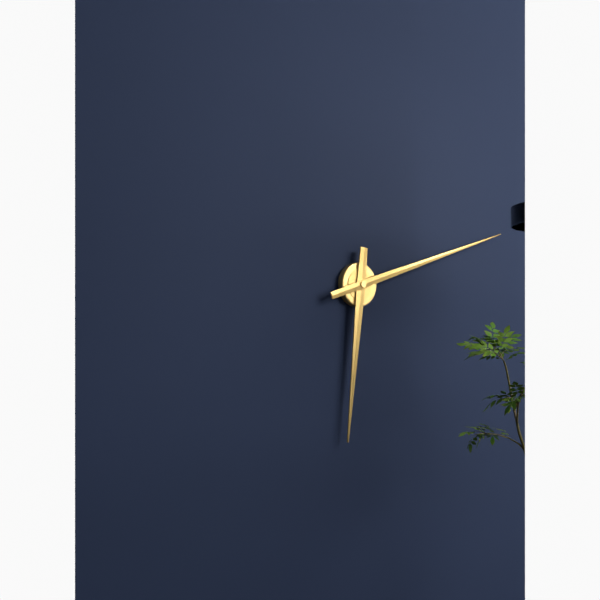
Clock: 6:12
